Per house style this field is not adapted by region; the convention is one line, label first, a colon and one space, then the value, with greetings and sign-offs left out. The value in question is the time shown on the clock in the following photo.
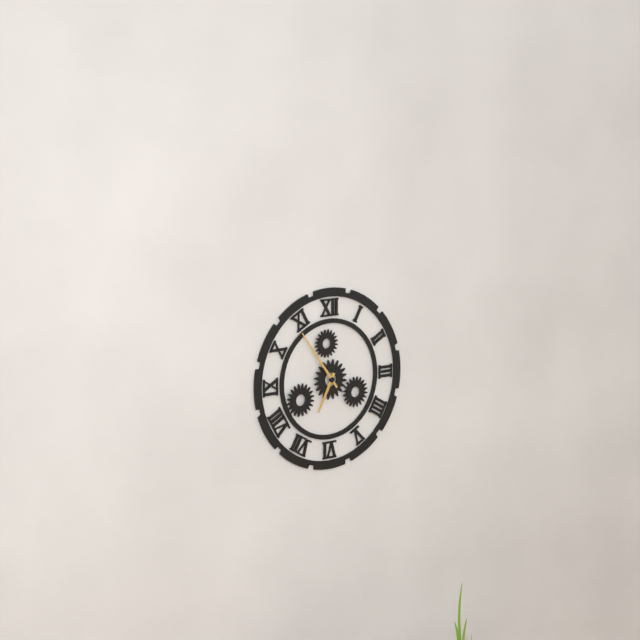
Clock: 6:54
